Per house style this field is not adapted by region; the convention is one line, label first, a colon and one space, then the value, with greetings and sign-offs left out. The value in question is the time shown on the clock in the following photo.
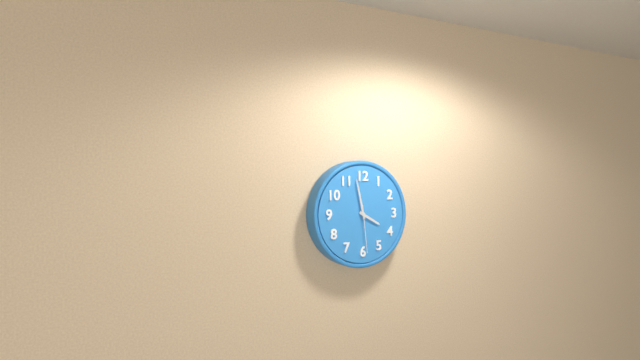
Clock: 3:58
